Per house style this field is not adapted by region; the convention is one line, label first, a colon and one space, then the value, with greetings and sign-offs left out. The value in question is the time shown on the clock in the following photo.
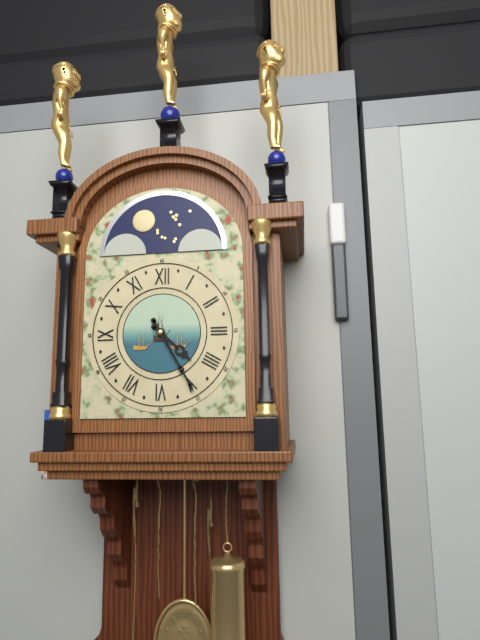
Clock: 4:25
